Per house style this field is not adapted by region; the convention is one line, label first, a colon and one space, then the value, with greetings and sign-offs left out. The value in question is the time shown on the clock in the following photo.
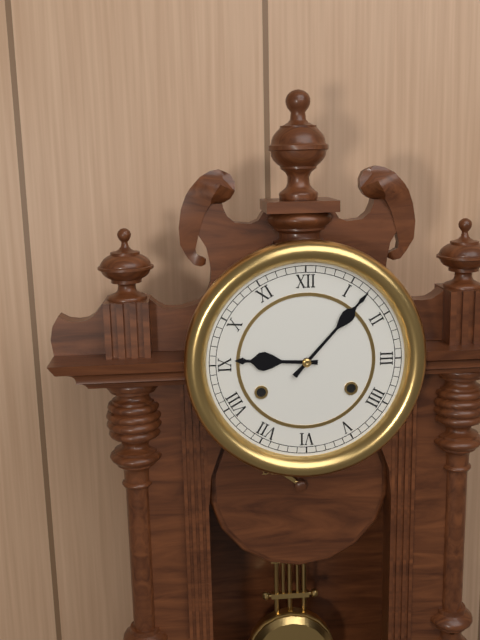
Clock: 9:07
